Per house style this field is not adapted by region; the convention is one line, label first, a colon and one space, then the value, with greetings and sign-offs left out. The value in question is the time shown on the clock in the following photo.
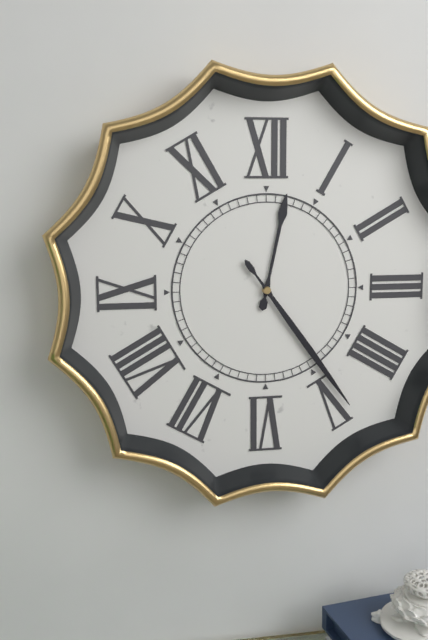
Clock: 12:24
